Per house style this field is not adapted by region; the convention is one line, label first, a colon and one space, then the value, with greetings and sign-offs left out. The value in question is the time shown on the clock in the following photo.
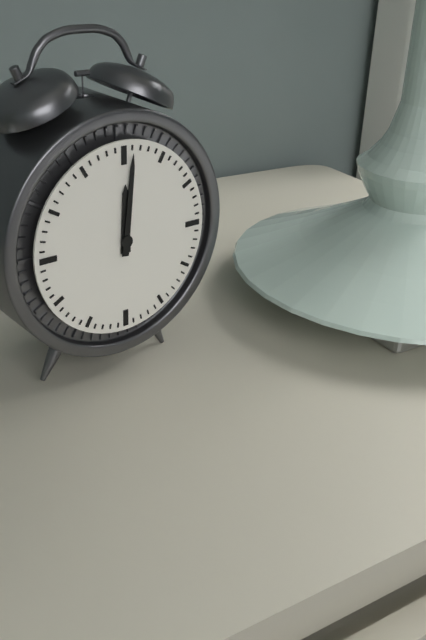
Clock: 12:01
